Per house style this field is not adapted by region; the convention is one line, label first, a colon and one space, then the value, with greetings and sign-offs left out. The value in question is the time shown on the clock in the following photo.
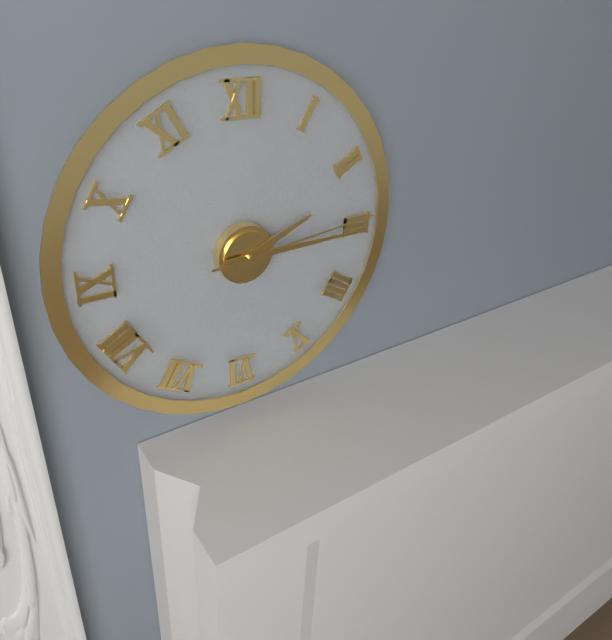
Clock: 2:15:14
